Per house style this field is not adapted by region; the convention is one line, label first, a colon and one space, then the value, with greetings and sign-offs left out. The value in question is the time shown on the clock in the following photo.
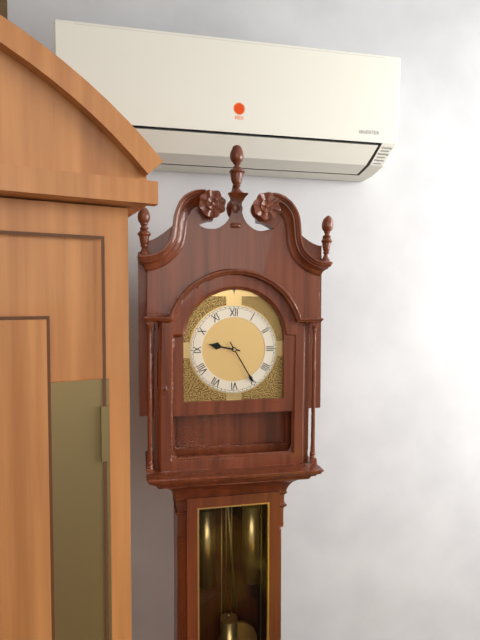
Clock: 9:25
